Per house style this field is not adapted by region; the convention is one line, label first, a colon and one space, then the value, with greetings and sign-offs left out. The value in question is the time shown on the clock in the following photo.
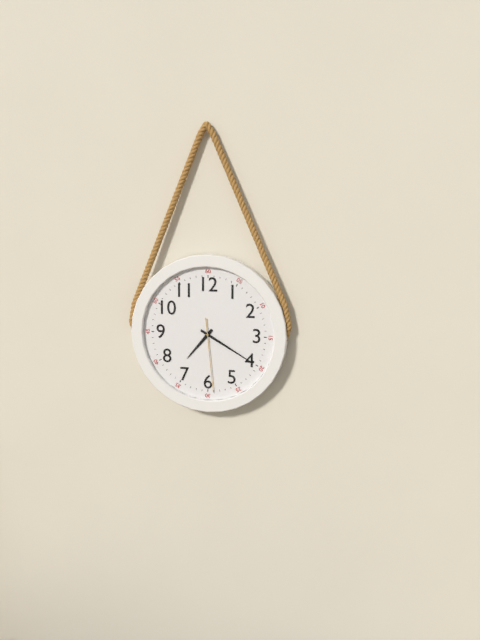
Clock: 7:20:29
